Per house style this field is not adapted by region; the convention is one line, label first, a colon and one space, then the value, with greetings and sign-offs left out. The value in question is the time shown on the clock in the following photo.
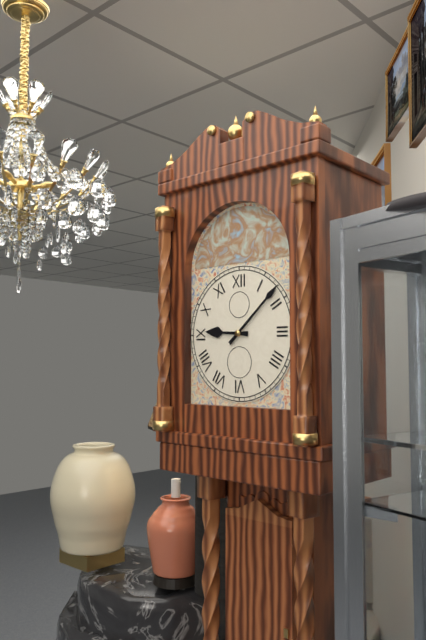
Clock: 9:08
